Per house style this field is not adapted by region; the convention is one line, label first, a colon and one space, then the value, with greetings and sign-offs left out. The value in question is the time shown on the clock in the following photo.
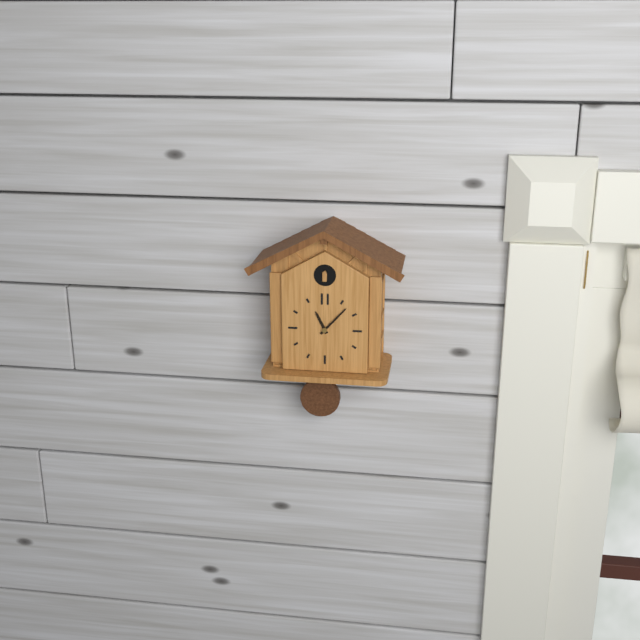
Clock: 11:07
